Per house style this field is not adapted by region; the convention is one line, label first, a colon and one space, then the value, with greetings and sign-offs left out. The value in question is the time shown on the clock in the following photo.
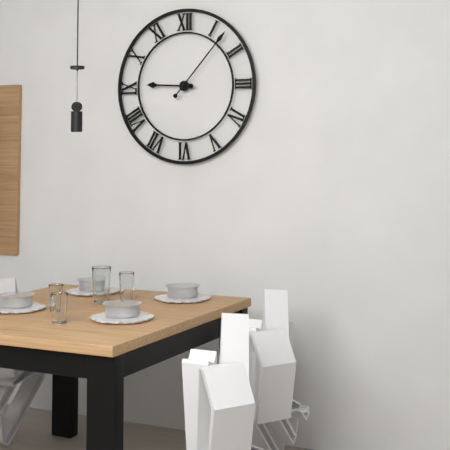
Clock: 9:07
